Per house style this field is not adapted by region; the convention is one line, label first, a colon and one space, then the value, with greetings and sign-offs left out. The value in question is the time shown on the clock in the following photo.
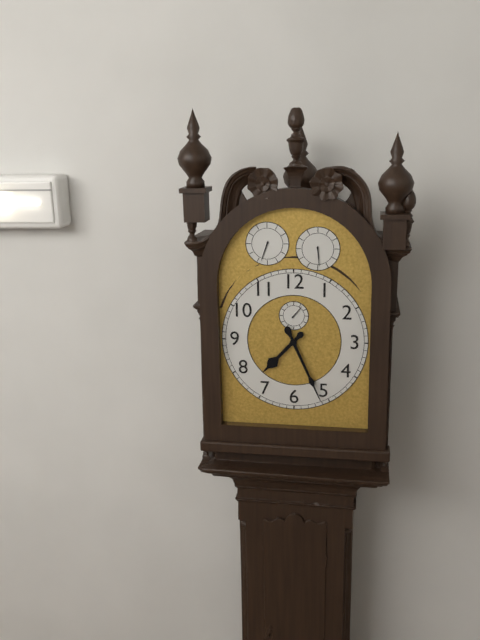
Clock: 7:26
